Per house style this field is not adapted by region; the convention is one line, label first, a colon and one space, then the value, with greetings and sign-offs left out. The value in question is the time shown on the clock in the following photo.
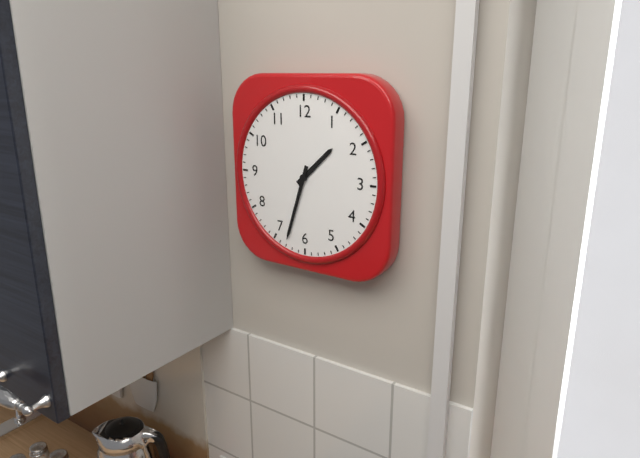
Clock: 1:33
